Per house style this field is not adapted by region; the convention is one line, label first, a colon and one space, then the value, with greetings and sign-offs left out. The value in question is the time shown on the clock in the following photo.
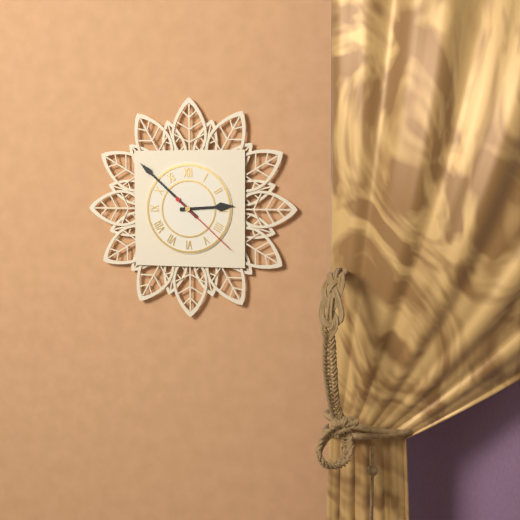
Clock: 2:52:22
